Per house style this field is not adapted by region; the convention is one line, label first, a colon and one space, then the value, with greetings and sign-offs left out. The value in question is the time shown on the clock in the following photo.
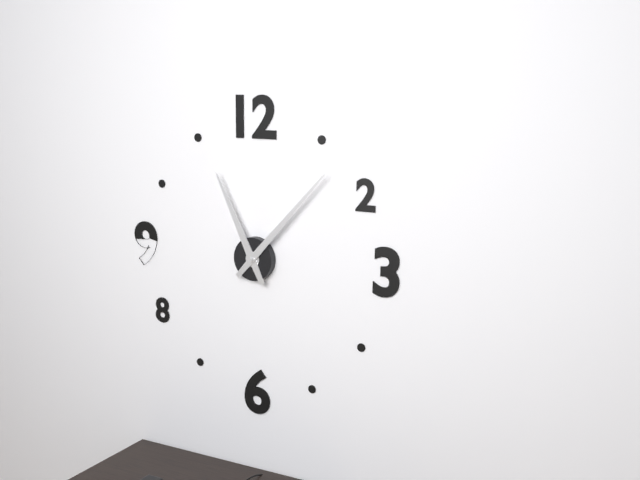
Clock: 11:07
